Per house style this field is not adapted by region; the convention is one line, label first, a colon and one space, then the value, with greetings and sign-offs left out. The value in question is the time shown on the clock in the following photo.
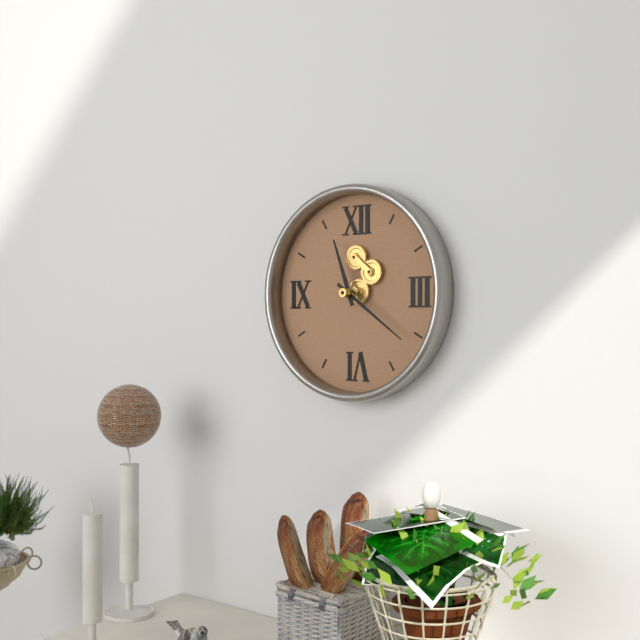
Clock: 11:21
